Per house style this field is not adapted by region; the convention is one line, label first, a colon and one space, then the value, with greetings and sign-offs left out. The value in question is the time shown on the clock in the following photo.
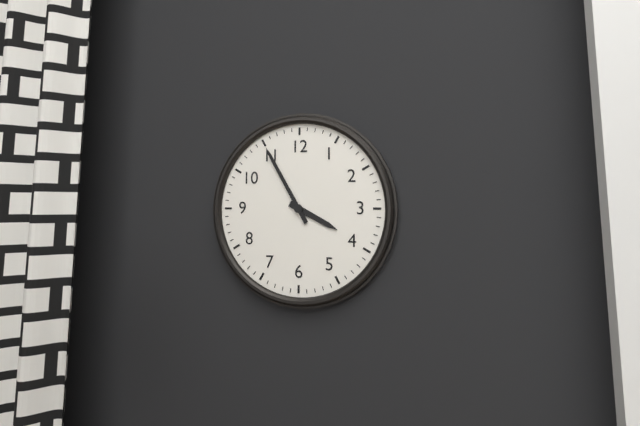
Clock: 3:55
